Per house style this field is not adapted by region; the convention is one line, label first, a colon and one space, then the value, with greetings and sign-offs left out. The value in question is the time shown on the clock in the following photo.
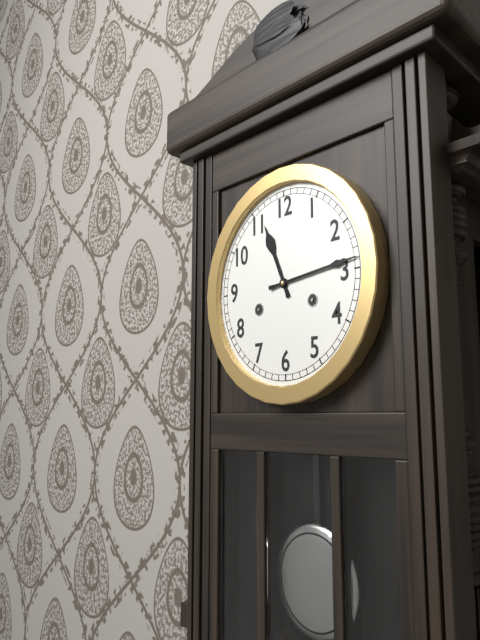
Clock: 11:14
